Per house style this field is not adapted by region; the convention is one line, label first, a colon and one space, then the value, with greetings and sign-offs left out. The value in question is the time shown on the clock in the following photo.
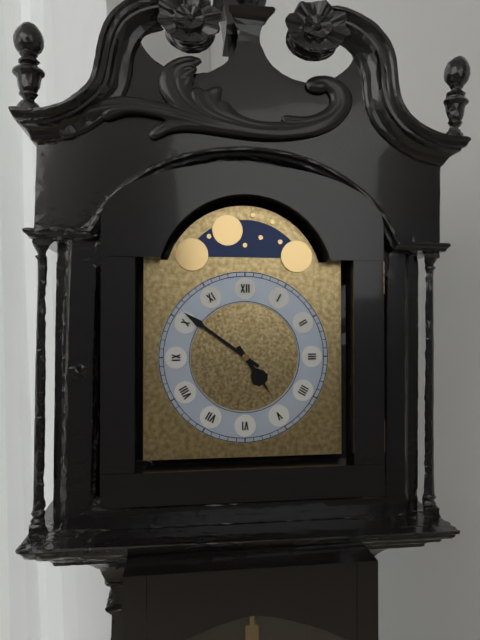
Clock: 4:51
